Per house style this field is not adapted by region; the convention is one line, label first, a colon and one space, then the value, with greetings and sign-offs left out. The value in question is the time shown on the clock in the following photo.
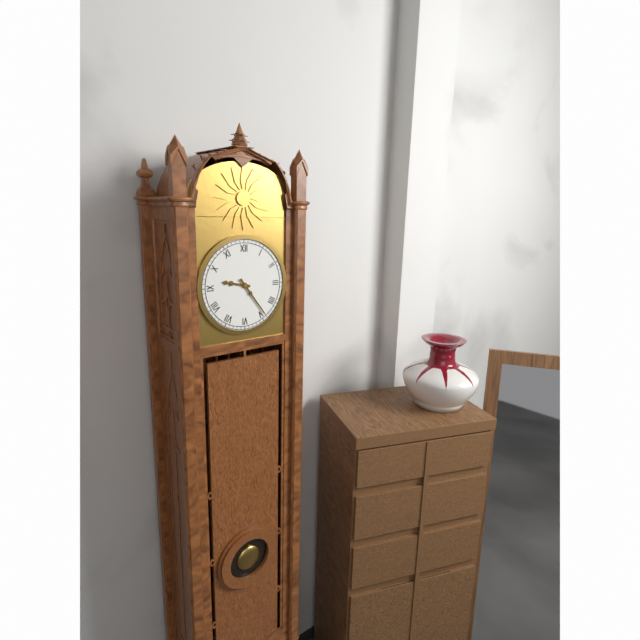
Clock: 9:24
